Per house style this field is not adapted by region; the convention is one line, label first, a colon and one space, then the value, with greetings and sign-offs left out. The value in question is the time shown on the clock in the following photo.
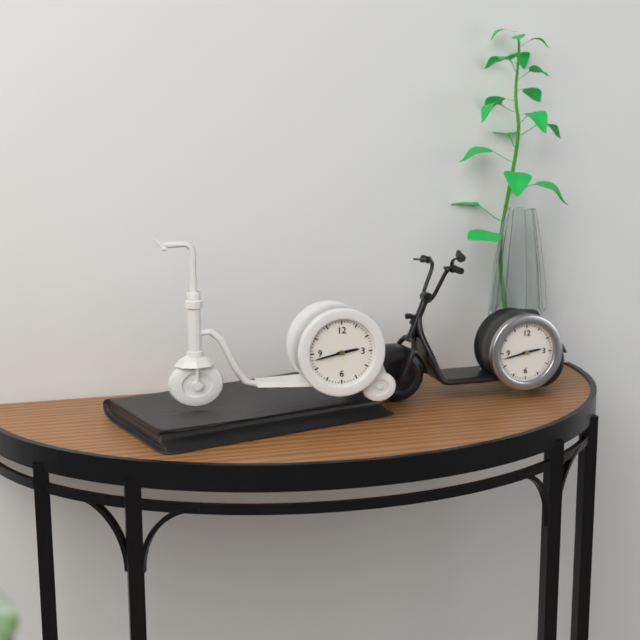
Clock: 2:43
